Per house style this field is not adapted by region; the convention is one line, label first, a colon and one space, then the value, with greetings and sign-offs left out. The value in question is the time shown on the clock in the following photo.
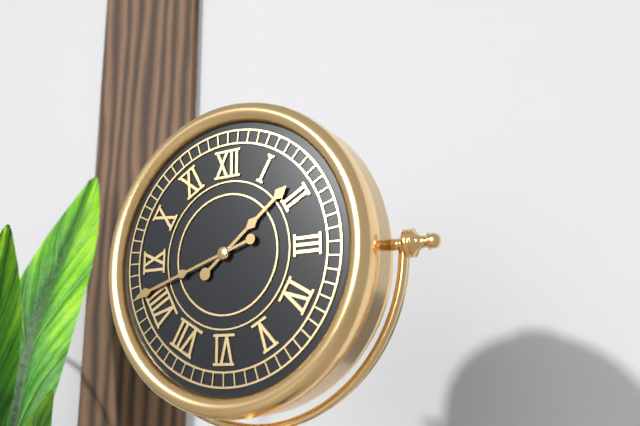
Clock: 1:42
